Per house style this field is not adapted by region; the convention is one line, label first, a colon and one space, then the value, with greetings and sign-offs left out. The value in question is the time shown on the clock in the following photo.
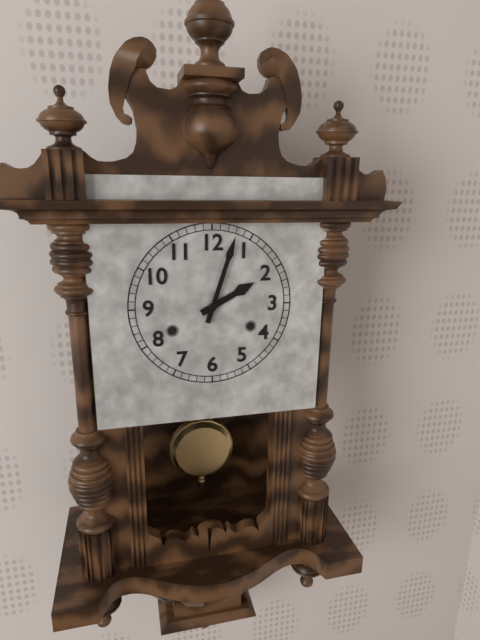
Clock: 2:03
